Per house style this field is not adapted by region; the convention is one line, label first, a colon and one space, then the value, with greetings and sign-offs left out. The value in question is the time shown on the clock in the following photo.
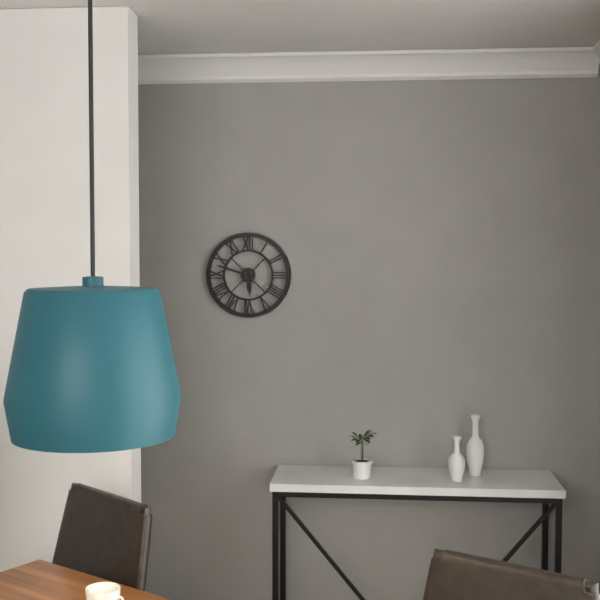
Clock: 5:48
